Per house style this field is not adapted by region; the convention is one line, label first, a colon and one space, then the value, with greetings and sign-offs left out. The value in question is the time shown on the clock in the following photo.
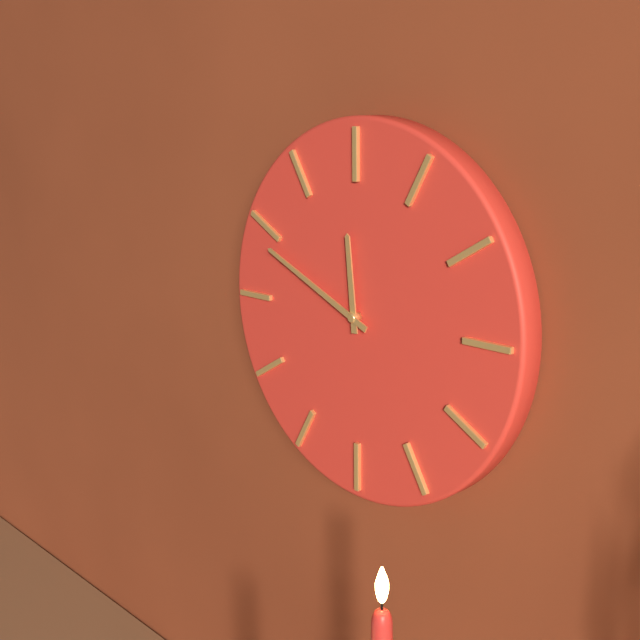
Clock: 11:49
